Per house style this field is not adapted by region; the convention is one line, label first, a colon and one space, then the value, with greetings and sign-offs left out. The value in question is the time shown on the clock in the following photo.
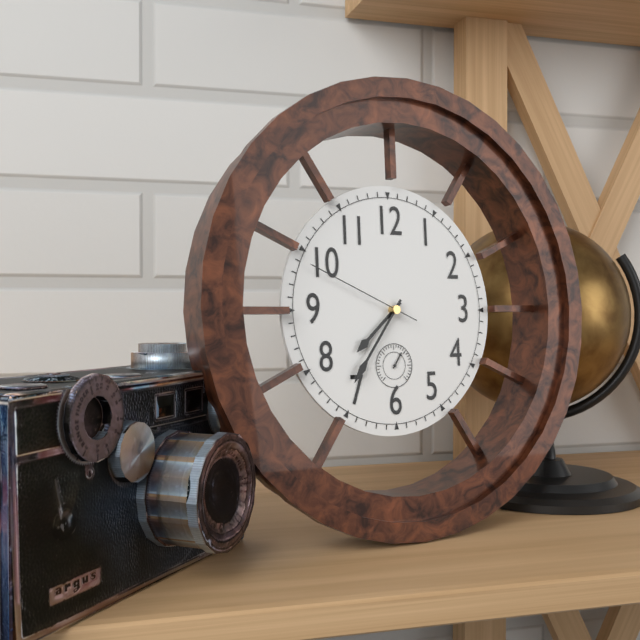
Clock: 7:36:49
